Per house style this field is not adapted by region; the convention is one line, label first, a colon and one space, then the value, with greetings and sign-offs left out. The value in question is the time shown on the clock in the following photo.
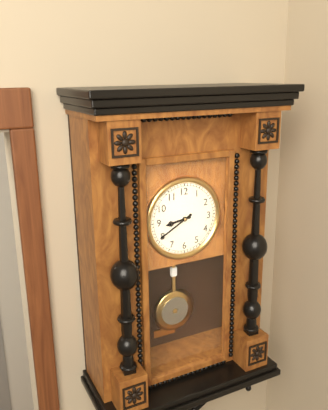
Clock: 8:40
